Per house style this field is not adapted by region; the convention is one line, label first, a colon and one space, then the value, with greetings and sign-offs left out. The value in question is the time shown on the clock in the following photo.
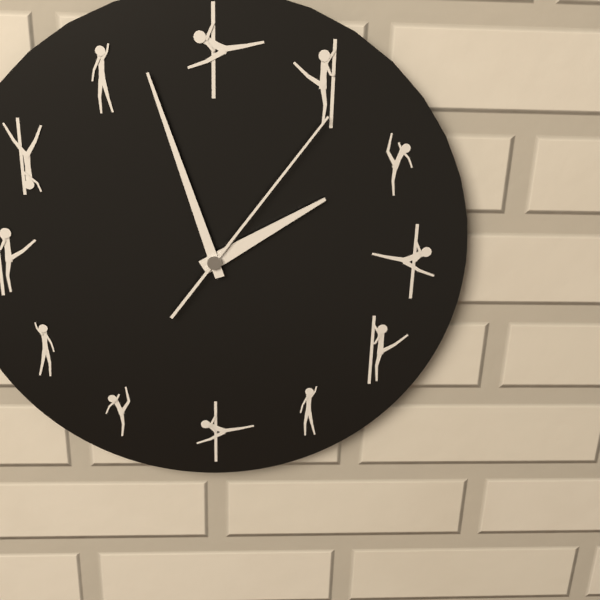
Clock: 1:57:06
